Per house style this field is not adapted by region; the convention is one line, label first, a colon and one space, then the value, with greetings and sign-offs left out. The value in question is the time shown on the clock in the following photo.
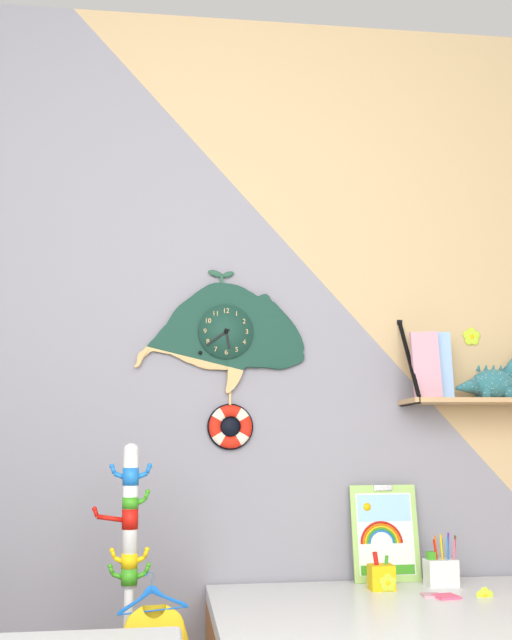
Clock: 5:39
